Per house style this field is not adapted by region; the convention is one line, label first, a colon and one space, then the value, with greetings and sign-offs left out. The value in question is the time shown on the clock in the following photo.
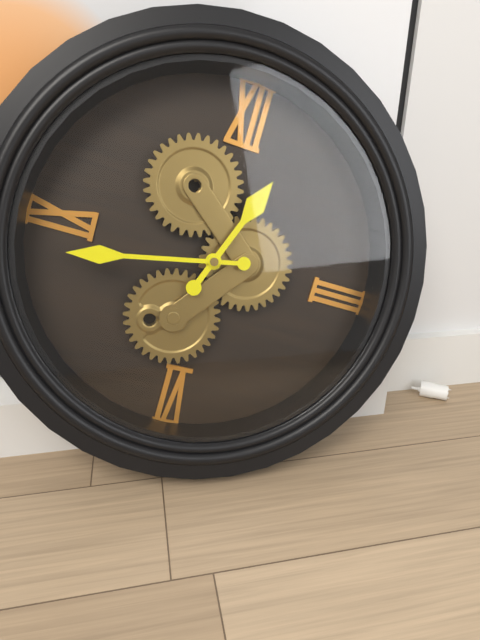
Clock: 12:43
